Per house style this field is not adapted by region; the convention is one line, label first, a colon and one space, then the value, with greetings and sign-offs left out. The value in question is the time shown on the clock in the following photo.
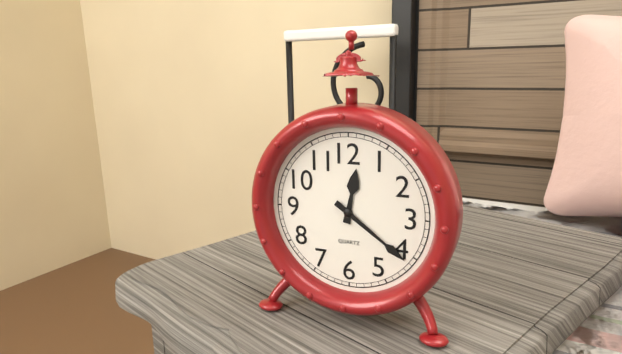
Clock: 12:21
